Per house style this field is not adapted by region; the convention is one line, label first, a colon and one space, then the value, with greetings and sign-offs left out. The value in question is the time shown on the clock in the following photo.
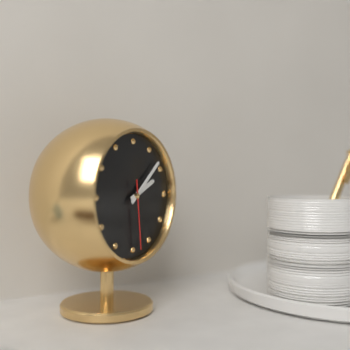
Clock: 2:08:29
